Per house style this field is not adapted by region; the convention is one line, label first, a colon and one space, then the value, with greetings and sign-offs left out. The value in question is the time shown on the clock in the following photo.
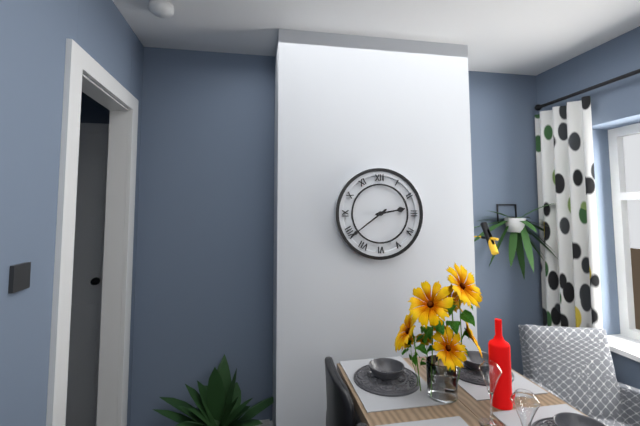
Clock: 2:39
